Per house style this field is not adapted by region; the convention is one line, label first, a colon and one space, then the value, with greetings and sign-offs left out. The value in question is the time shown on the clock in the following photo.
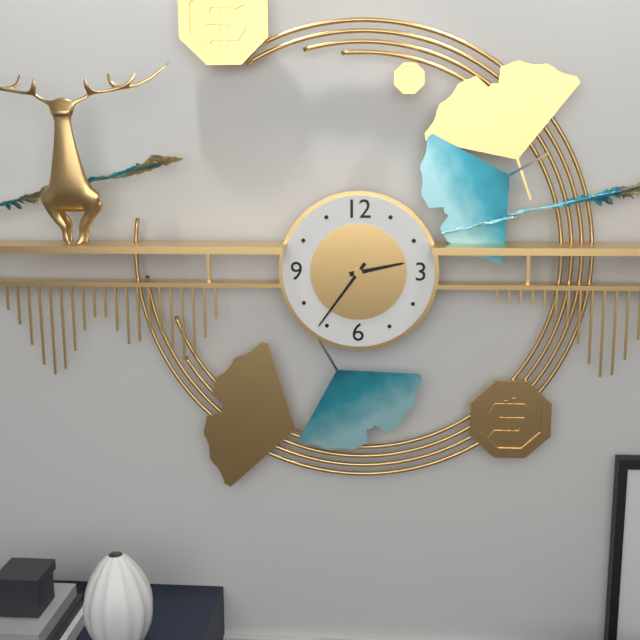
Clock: 2:36
